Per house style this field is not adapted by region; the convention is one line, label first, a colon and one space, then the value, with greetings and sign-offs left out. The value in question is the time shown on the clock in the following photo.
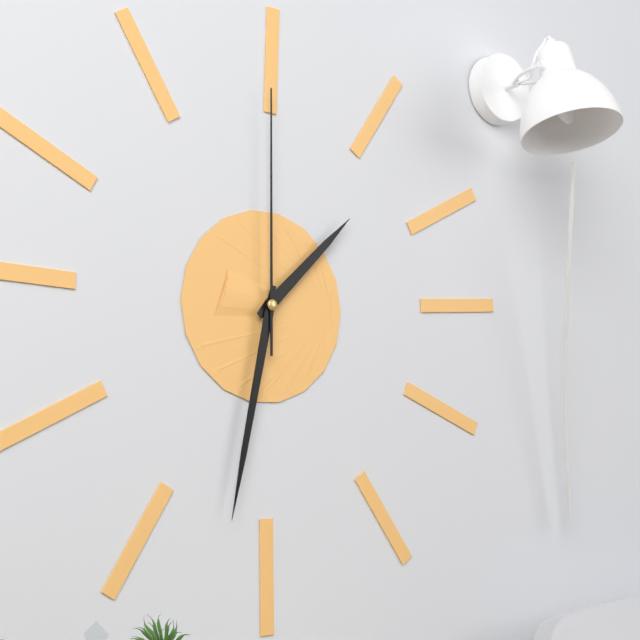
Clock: 1:32:00
